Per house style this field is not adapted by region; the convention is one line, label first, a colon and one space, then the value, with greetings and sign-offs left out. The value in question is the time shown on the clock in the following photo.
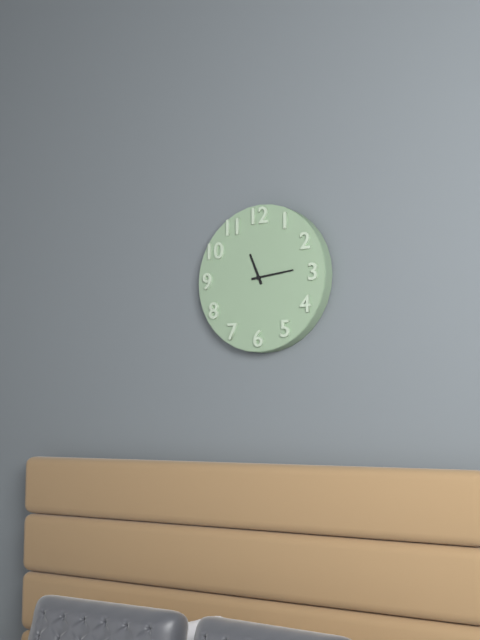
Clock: 11:14
